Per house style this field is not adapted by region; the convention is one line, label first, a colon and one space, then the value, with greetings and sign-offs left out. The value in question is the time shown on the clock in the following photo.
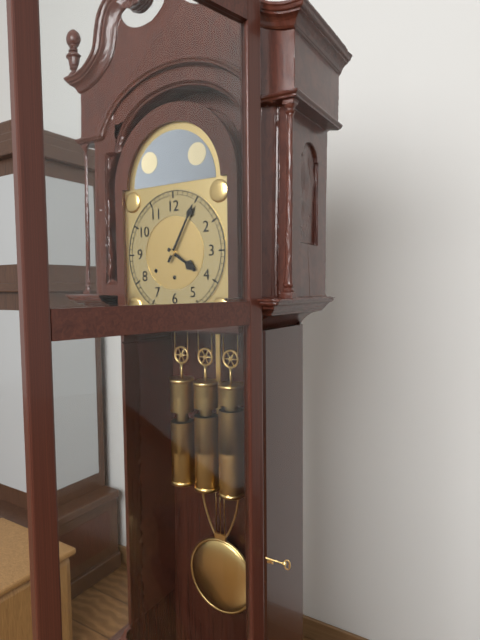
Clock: 4:05
